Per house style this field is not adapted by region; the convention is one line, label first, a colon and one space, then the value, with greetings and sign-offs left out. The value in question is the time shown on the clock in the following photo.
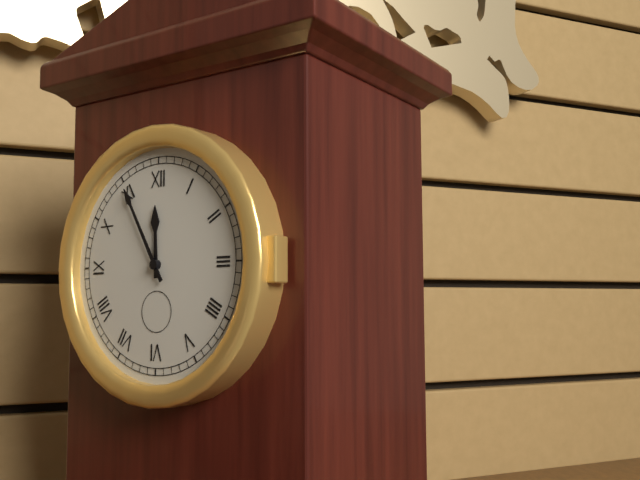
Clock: 11:55
